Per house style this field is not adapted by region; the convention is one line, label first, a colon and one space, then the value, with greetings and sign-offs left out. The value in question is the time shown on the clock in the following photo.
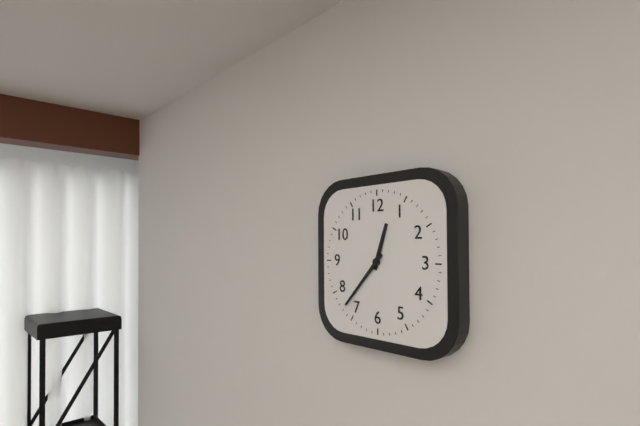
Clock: 12:37
